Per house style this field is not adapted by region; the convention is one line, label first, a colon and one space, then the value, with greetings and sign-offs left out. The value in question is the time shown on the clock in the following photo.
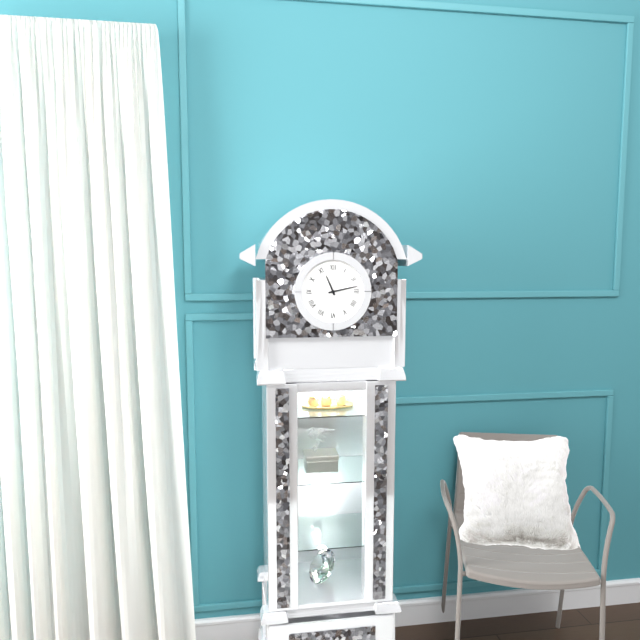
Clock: 11:13
